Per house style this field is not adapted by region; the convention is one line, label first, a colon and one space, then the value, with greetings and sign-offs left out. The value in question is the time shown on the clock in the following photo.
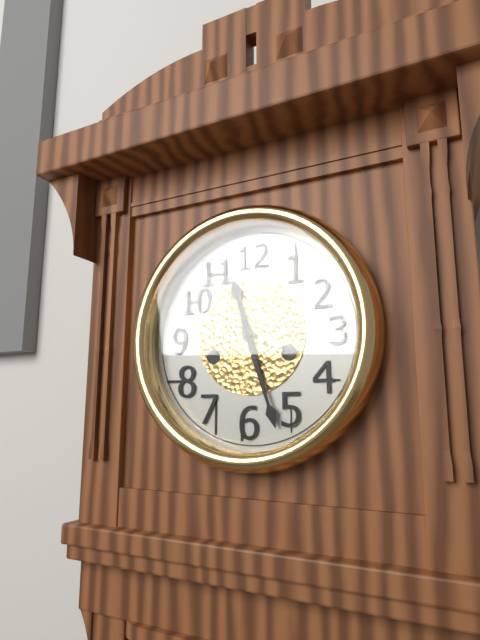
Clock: 11:27
